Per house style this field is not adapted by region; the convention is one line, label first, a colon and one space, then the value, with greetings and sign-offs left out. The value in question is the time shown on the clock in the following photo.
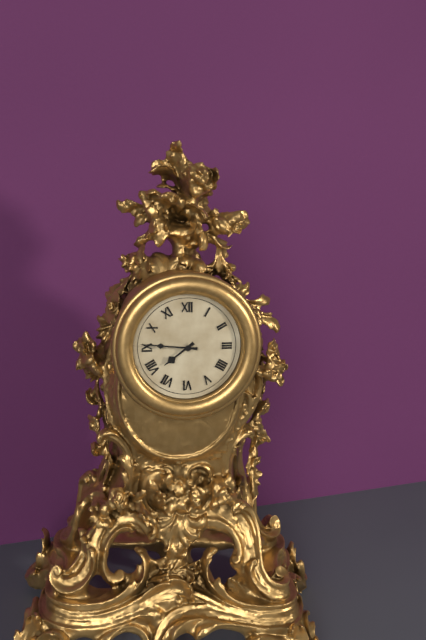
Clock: 7:46
